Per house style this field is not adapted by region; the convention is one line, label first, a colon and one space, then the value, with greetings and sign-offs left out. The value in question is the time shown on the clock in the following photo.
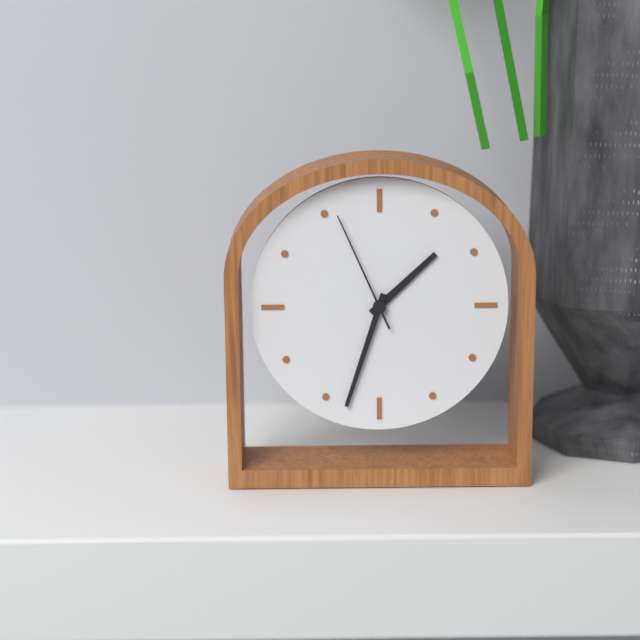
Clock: 1:33:56
